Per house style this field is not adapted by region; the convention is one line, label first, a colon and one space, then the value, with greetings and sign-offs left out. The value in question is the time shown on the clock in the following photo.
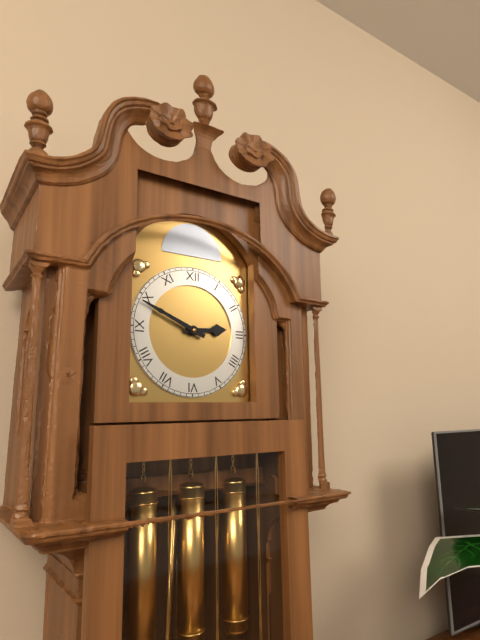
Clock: 2:49
